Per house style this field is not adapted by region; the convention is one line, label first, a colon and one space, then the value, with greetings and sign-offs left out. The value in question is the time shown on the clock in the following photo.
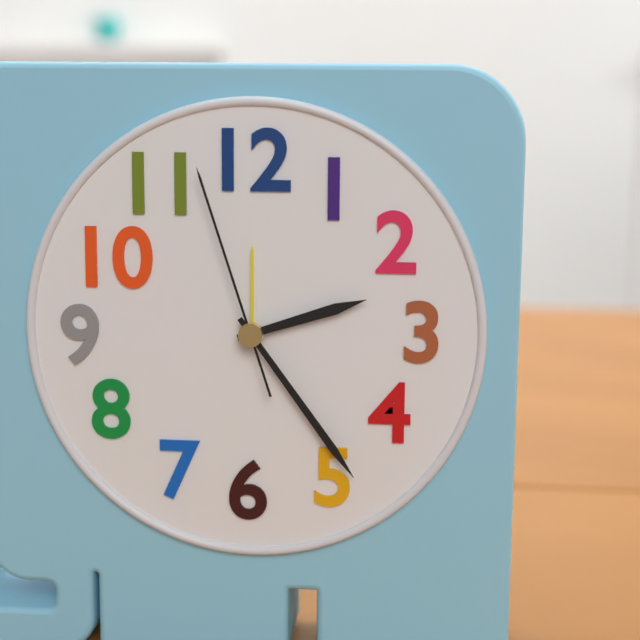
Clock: 2:24:57
